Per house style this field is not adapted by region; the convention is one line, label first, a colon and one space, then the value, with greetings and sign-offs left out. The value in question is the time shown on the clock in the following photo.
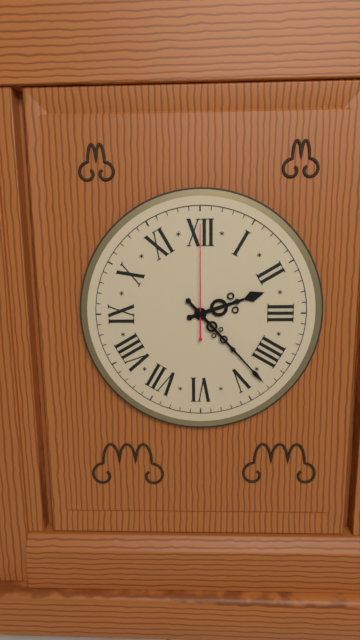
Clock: 2:23:00
